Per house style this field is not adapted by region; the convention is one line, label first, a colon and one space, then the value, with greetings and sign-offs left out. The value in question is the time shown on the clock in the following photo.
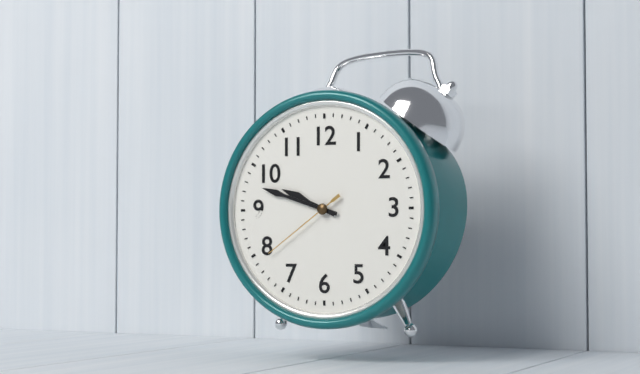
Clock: 9:48:39
